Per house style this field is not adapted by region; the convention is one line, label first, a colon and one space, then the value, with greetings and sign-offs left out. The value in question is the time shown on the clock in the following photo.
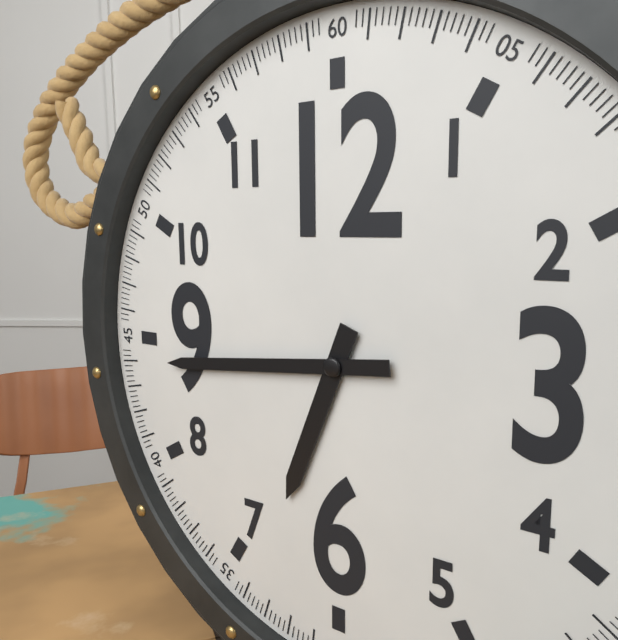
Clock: 6:44
